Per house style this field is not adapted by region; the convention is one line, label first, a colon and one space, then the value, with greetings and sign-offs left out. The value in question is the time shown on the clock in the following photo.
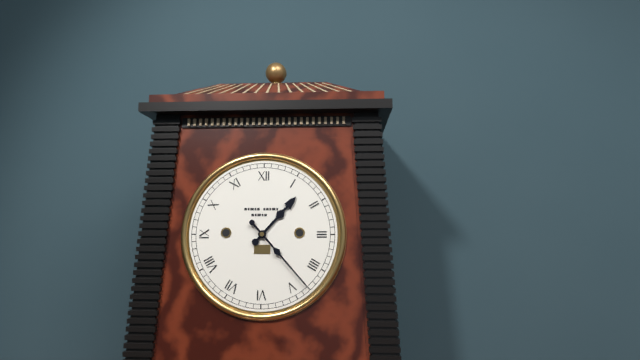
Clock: 1:23
